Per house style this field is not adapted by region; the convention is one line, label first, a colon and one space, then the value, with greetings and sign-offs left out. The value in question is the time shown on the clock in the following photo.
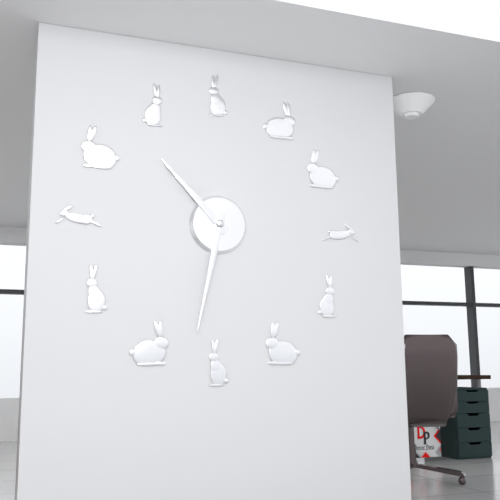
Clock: 10:32
